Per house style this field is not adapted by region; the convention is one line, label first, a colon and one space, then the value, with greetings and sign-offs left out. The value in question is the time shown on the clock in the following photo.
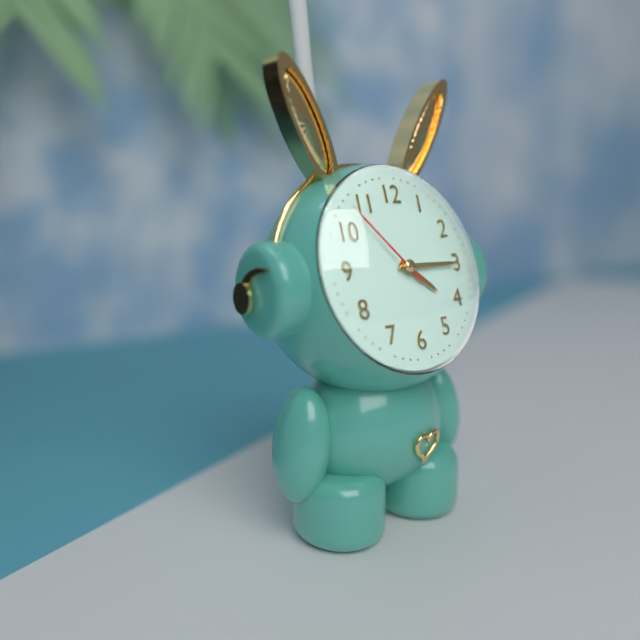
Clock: 4:15:53
